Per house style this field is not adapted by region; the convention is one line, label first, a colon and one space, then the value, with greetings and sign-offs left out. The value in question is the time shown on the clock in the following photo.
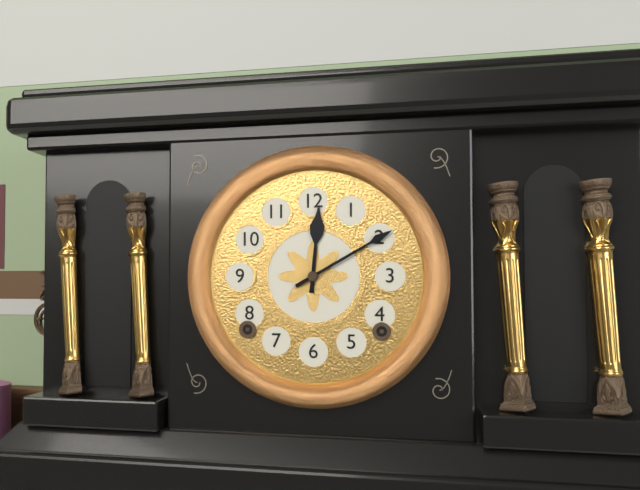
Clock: 12:10
